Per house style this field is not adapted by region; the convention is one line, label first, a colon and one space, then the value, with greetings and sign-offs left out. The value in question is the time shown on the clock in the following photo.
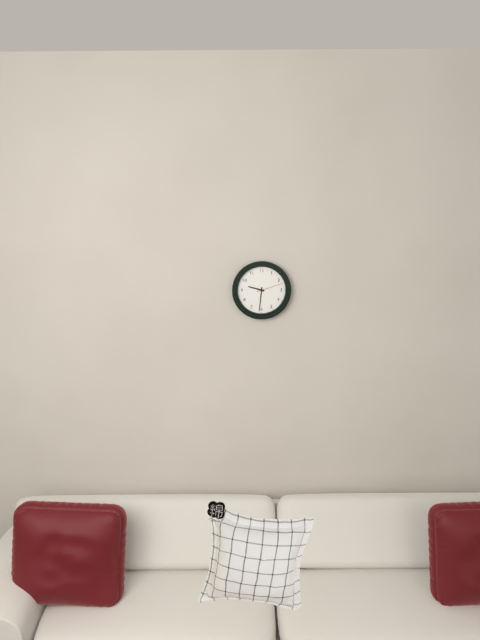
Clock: 9:31
